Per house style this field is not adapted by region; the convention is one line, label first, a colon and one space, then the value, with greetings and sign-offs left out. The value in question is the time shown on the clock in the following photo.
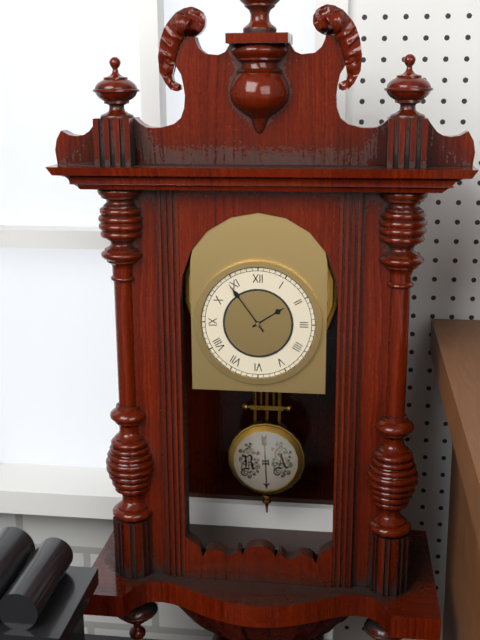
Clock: 1:54
